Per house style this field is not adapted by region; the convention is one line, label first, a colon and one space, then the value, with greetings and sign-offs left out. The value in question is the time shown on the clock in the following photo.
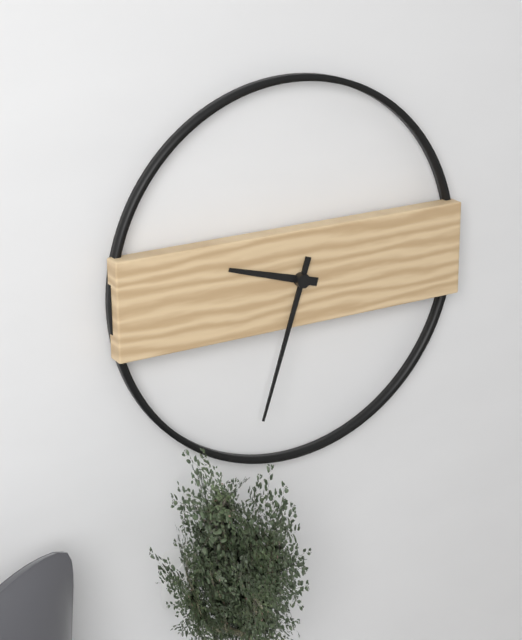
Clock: 9:33
